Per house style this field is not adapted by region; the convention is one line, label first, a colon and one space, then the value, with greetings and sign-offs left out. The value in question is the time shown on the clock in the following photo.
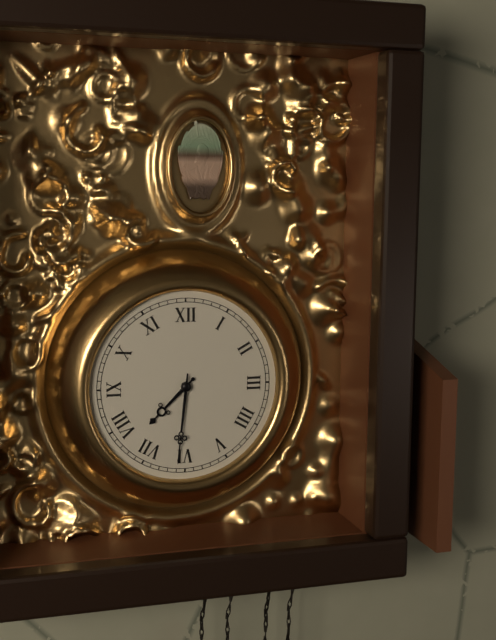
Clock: 7:31
